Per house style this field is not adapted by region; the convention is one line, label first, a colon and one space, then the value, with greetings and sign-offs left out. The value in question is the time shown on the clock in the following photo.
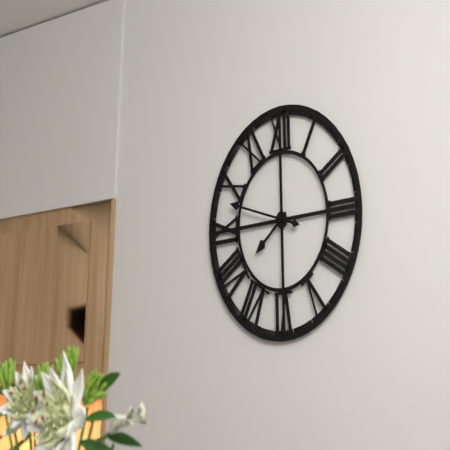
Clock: 7:48
